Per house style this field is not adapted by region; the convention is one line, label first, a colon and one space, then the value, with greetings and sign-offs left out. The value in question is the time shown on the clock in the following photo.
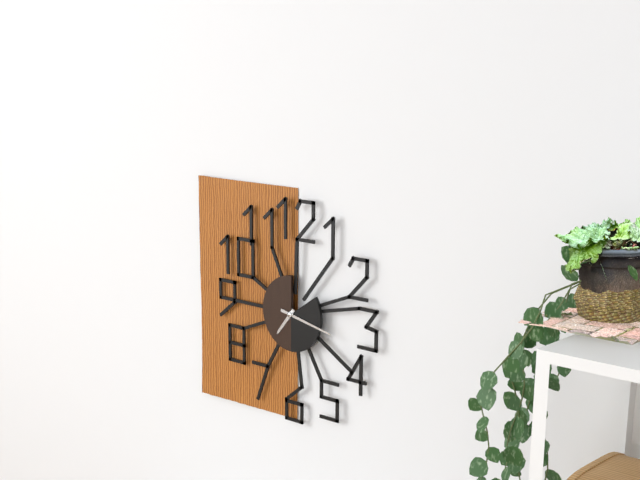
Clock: 7:17
